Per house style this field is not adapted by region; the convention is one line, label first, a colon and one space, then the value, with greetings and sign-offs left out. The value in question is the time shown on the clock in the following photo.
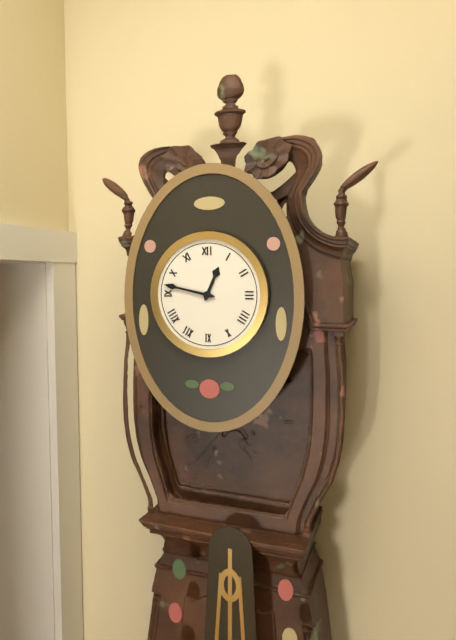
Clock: 12:47
